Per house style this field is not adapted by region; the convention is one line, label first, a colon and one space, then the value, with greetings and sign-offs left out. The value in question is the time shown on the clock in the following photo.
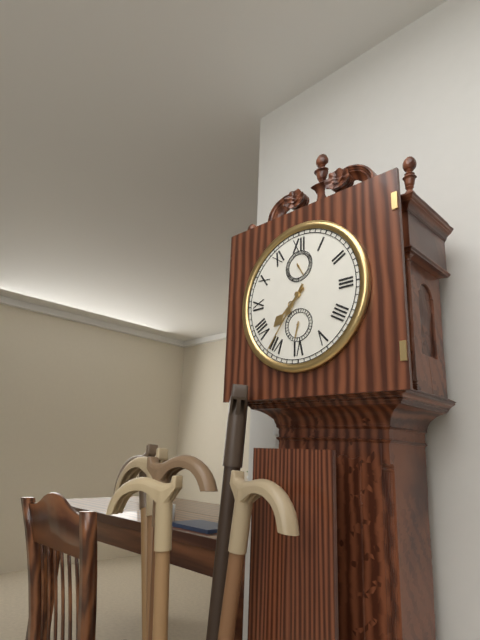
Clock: 7:36
